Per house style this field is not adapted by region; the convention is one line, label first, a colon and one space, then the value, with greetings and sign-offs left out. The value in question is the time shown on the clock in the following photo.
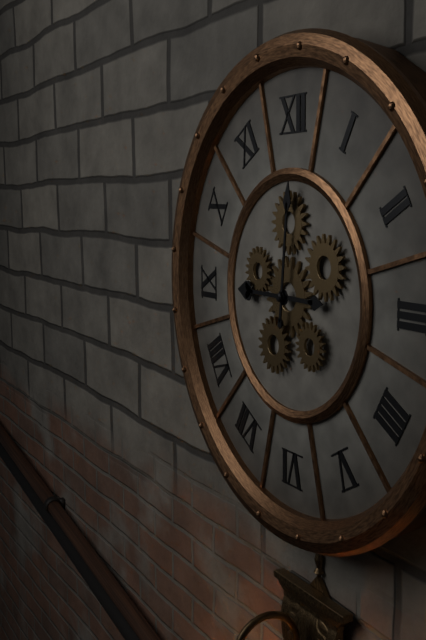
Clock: 9:01
